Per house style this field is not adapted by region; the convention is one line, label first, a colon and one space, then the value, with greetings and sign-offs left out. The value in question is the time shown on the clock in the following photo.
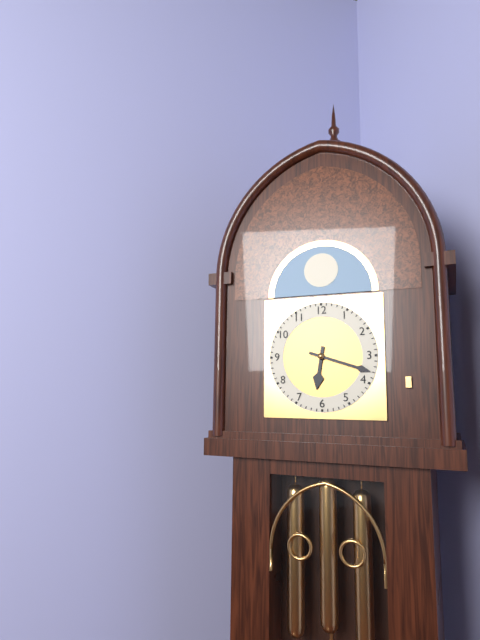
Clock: 6:18
